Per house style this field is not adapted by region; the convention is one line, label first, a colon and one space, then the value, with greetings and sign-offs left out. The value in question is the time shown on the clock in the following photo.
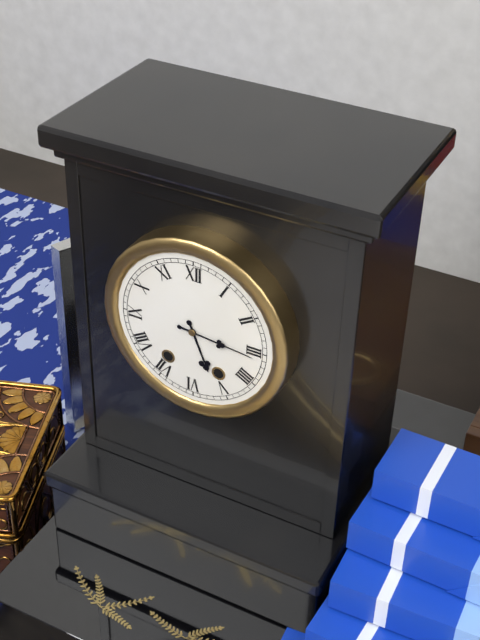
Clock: 5:16
